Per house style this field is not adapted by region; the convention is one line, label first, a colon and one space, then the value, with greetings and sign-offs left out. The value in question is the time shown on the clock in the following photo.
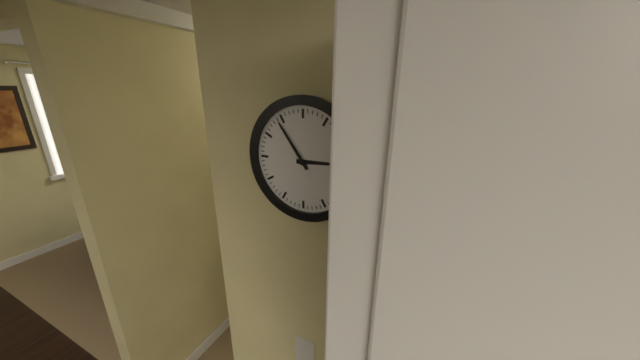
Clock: 2:54
